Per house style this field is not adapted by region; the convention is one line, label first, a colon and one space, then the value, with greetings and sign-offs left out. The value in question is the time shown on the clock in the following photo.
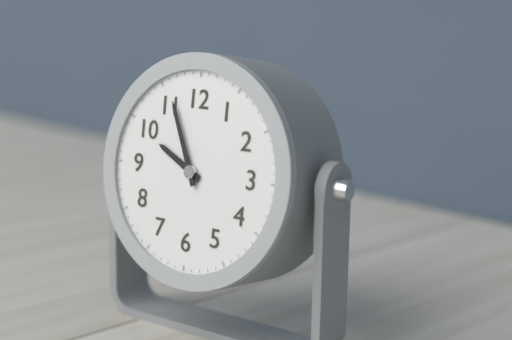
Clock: 9:56
